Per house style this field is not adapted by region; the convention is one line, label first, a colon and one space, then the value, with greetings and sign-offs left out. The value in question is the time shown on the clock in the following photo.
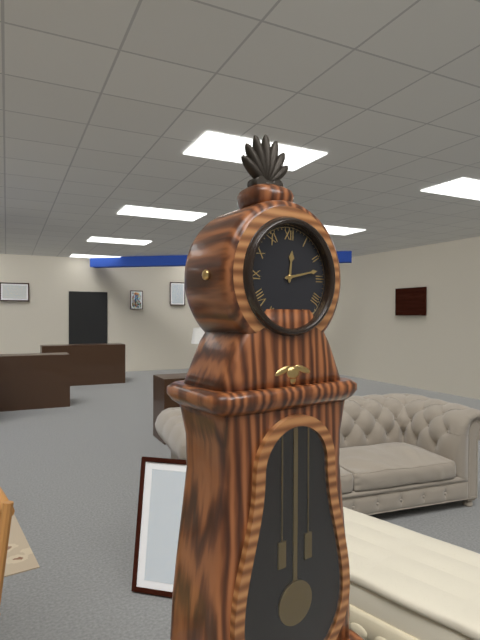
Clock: 12:13
